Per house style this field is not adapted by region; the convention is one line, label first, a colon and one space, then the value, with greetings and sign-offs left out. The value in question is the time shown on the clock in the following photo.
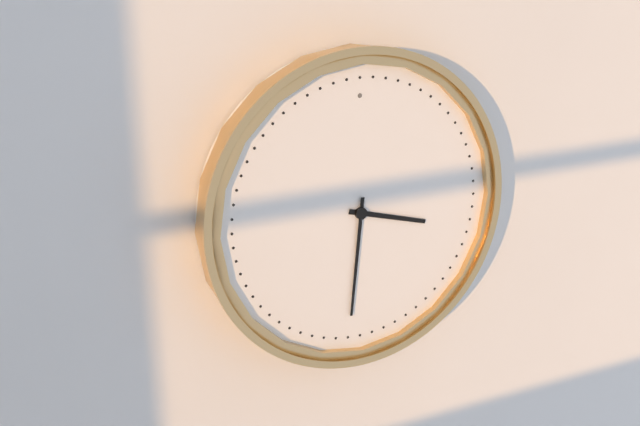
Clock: 3:31
